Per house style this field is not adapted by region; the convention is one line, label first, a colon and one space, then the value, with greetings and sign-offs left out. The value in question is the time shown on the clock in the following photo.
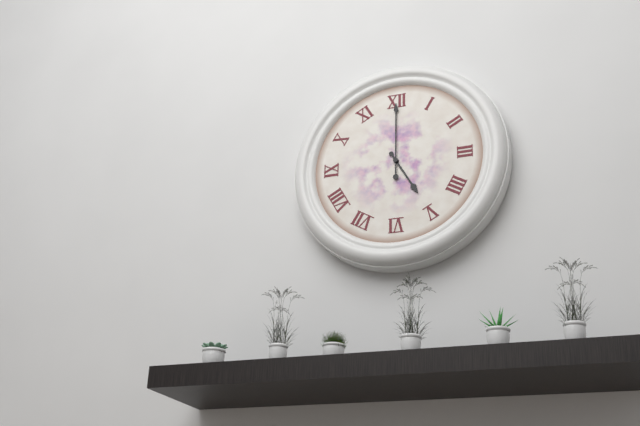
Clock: 5:00
